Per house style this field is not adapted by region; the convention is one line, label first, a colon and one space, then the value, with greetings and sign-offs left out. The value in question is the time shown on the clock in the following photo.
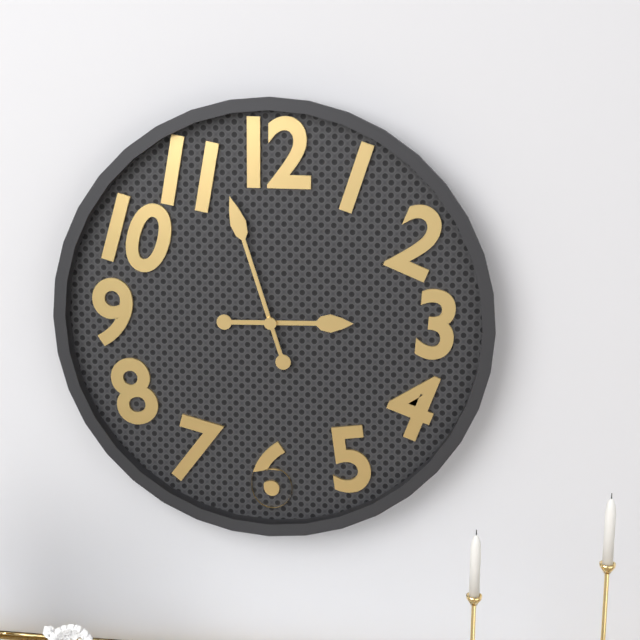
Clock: 2:57
